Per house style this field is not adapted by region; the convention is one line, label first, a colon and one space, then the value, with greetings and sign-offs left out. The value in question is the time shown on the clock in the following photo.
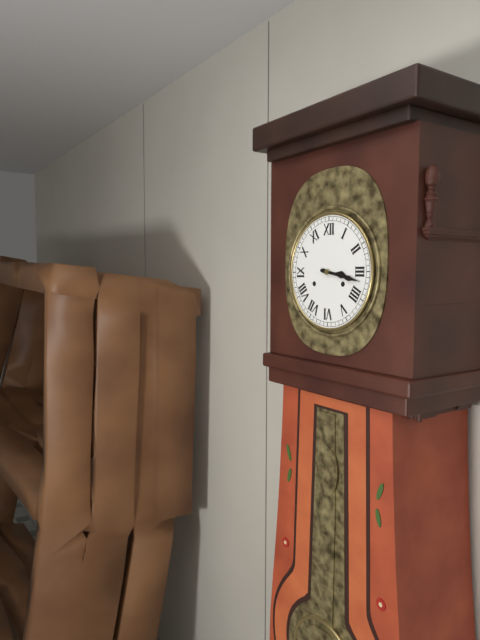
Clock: 3:17
